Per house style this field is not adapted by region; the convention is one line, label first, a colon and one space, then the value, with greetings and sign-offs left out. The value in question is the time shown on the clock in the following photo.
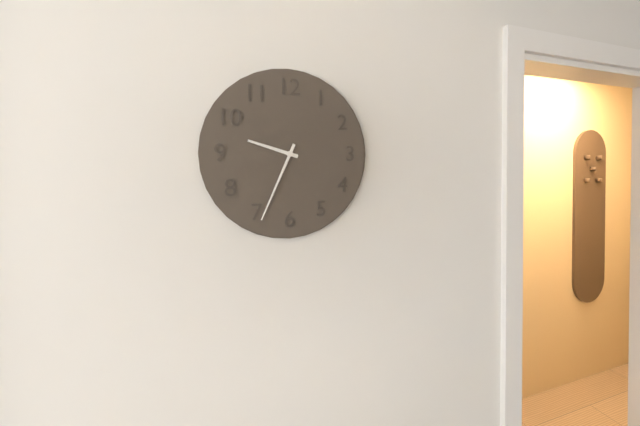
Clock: 9:34
